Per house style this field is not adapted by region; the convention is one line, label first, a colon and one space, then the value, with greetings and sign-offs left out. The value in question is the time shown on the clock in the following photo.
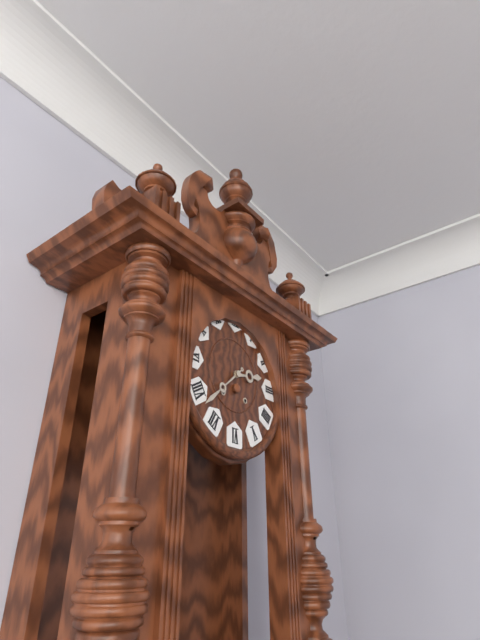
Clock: 2:38
